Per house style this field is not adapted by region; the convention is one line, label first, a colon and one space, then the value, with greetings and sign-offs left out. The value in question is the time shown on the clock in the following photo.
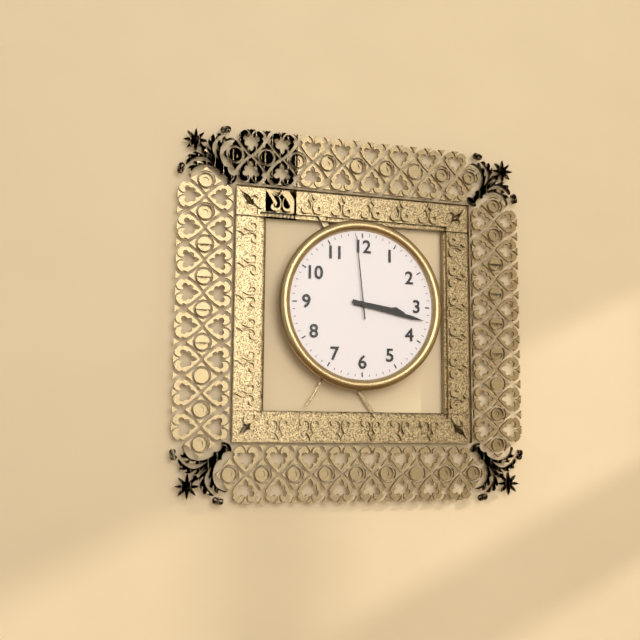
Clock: 3:17:59
